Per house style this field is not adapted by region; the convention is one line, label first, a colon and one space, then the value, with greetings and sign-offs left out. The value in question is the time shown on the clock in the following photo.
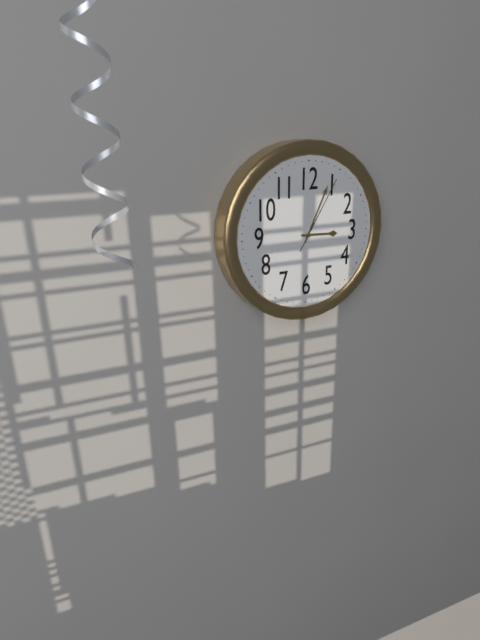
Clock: 3:04:05
